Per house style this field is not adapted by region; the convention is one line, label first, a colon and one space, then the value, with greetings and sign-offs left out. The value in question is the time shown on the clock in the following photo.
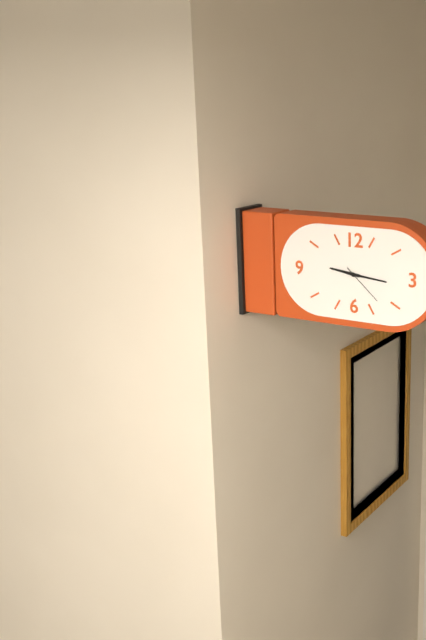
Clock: 9:16
